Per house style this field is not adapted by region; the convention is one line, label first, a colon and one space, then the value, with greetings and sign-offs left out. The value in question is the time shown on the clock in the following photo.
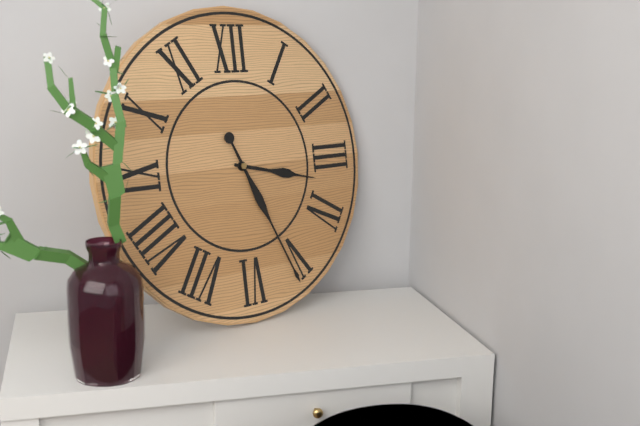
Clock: 3:26
